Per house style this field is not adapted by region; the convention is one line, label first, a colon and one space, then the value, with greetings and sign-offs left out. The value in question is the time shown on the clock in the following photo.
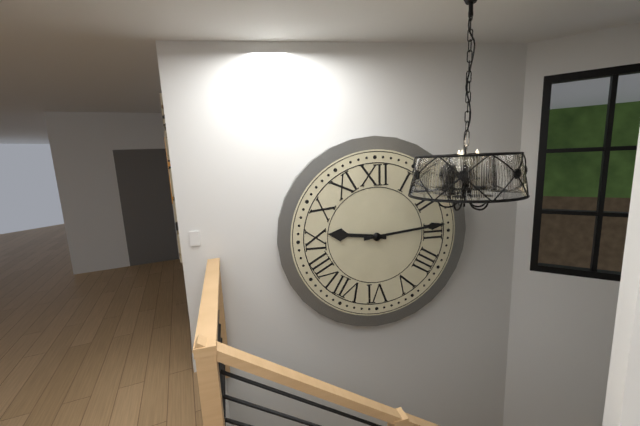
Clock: 9:14
